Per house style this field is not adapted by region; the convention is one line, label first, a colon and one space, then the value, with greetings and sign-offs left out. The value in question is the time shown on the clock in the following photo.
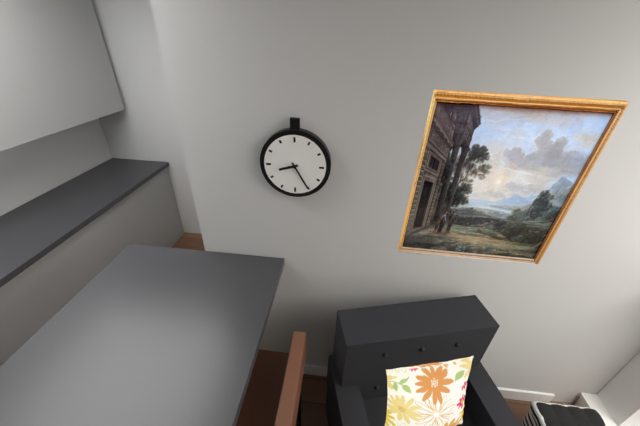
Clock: 8:25
